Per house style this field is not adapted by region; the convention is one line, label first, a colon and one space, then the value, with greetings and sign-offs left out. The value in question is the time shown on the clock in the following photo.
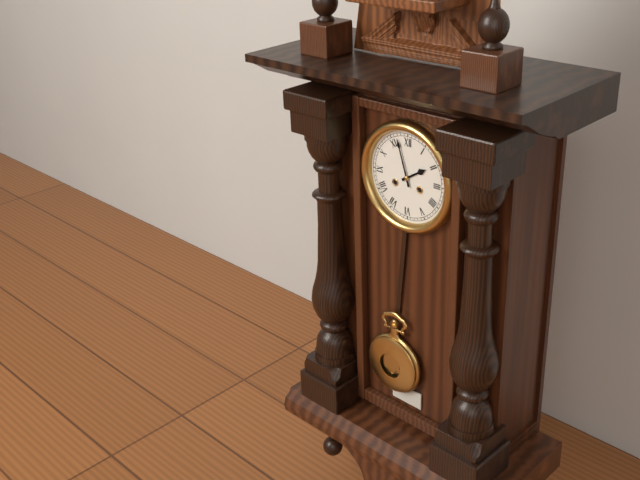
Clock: 1:57
